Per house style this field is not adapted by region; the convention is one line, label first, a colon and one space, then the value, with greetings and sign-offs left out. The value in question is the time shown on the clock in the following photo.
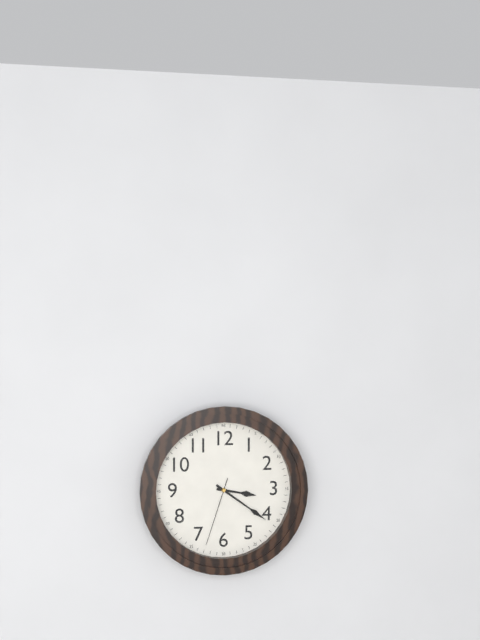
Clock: 3:21:33
